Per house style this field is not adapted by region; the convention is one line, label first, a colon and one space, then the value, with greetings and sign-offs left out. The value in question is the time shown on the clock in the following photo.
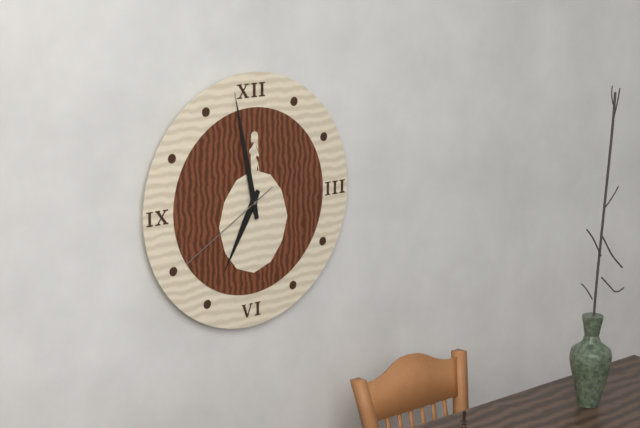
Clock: 6:58:40
